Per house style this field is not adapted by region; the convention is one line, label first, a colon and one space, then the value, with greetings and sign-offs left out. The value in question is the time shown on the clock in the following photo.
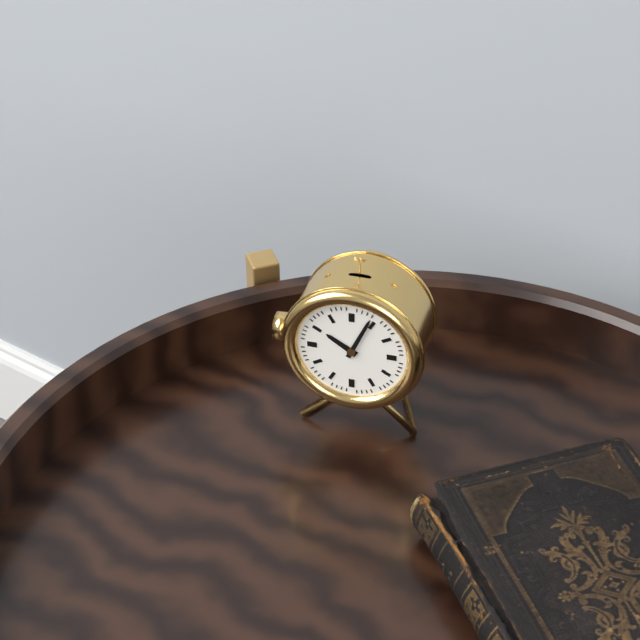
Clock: 10:04
